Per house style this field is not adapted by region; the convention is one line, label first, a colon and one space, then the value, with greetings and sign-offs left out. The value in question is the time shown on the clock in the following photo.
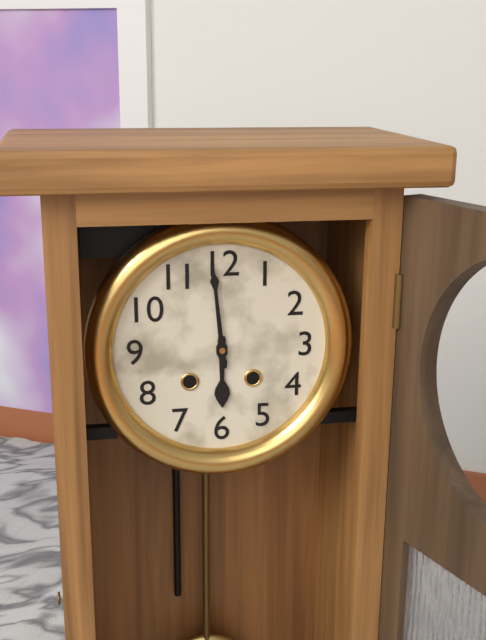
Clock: 5:59
